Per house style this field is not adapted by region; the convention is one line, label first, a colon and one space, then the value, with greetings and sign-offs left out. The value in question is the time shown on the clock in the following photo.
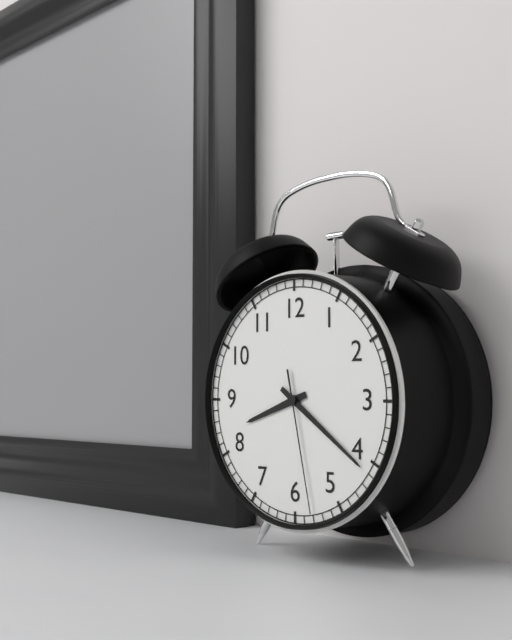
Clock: 8:21:28
